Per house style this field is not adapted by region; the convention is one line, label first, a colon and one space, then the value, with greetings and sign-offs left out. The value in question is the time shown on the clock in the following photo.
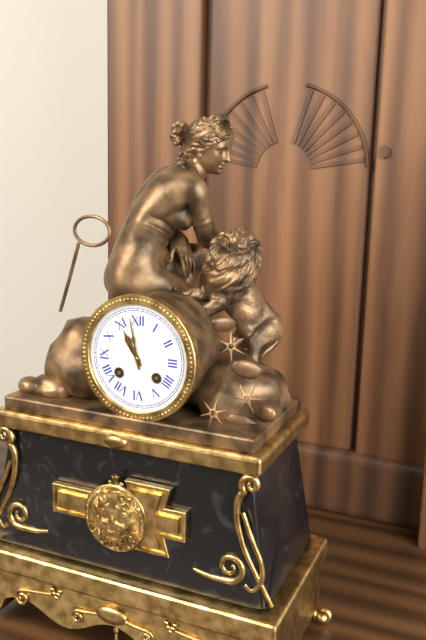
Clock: 10:58
